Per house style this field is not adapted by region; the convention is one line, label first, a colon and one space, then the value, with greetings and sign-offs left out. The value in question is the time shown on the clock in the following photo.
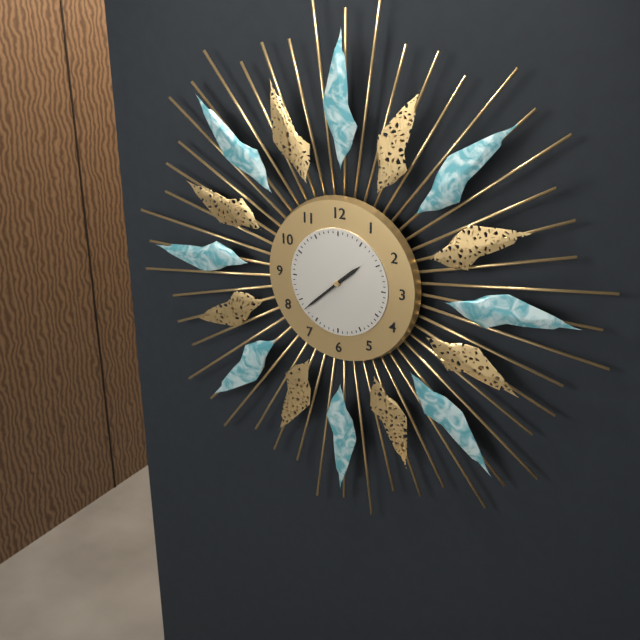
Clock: 1:38
